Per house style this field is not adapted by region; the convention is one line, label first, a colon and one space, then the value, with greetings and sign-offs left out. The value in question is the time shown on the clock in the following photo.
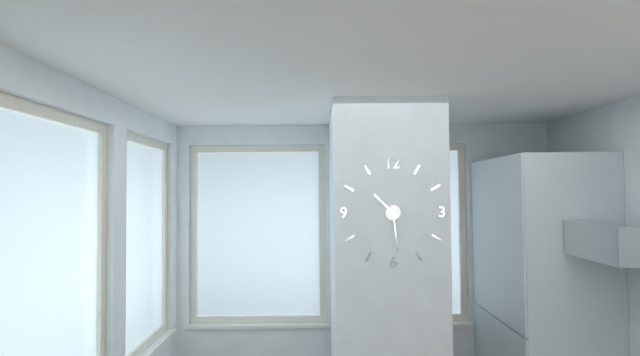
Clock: 10:29
